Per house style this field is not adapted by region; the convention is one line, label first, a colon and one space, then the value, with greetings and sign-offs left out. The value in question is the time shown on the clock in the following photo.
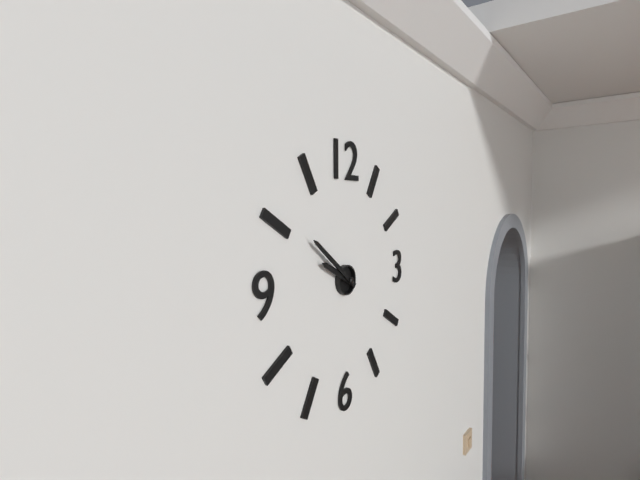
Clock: 9:51
